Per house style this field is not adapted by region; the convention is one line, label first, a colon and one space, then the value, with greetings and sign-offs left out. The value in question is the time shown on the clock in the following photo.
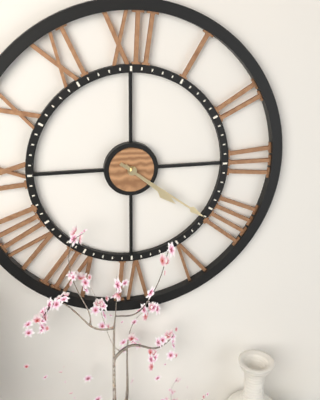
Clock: 4:21
